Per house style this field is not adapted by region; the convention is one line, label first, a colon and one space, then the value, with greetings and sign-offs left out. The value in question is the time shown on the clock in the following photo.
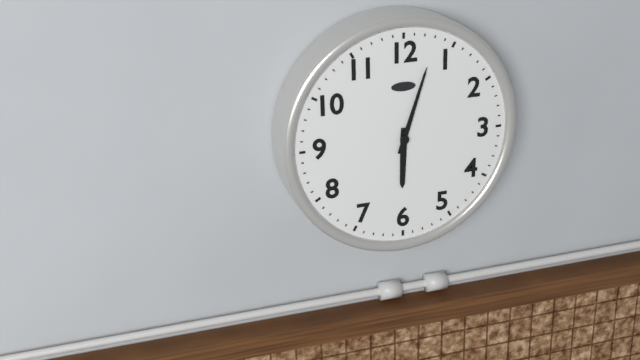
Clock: 6:03
